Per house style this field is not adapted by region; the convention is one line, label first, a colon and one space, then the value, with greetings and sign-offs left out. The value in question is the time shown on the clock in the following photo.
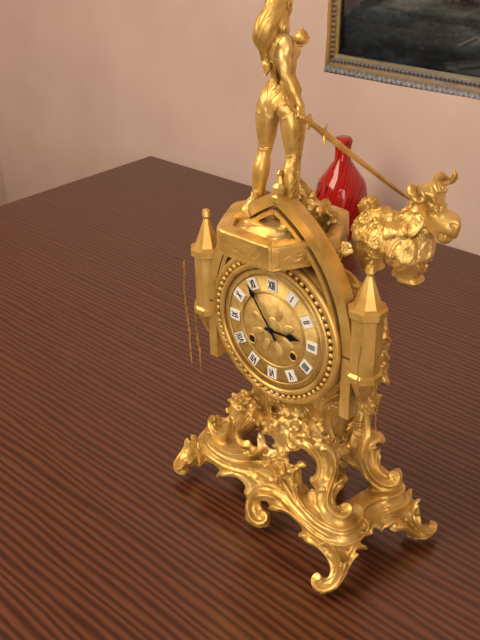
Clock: 2:54
